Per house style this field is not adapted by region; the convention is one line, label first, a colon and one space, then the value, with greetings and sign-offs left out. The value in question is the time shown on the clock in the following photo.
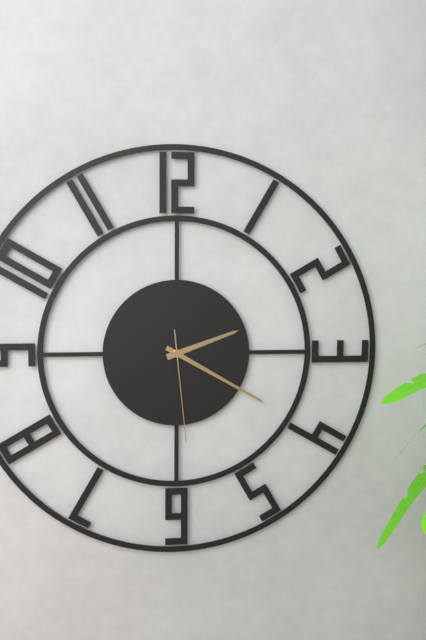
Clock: 2:20:29
